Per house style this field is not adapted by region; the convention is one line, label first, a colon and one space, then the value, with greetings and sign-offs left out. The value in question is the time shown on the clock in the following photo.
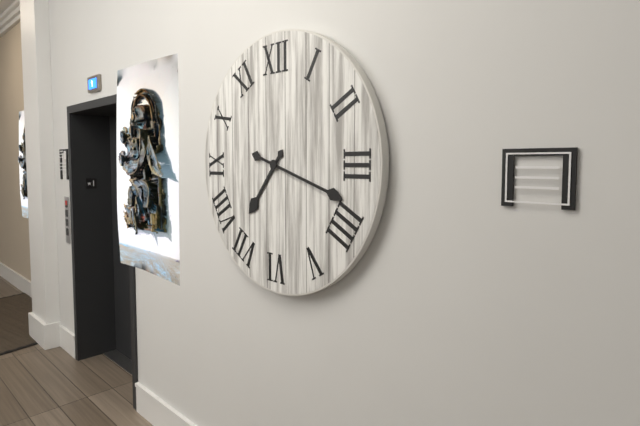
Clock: 7:18
